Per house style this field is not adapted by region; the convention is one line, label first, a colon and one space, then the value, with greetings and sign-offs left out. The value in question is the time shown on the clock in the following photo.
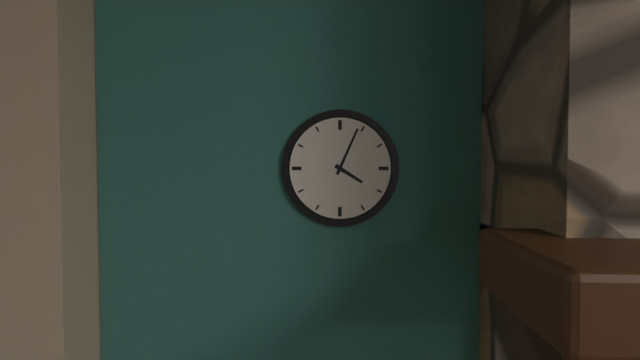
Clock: 4:04
